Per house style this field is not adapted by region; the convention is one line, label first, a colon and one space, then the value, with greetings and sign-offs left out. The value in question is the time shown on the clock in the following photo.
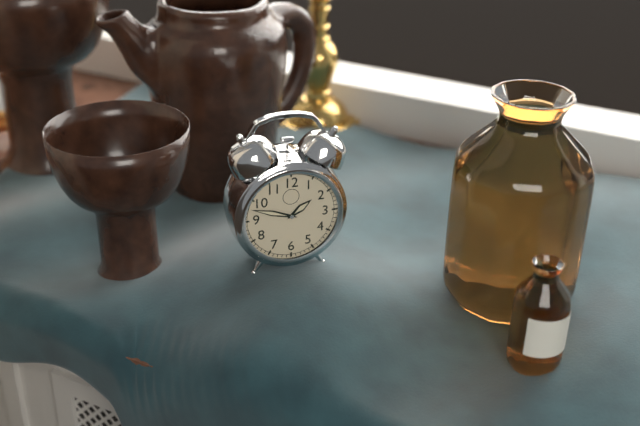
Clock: 1:48
